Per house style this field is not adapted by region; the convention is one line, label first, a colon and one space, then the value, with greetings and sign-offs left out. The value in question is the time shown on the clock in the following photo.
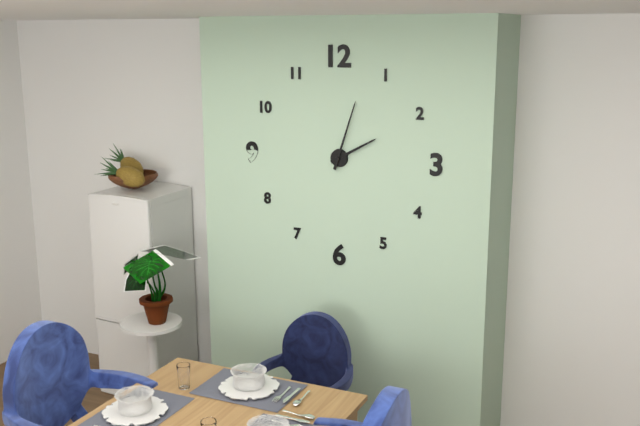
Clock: 2:03
